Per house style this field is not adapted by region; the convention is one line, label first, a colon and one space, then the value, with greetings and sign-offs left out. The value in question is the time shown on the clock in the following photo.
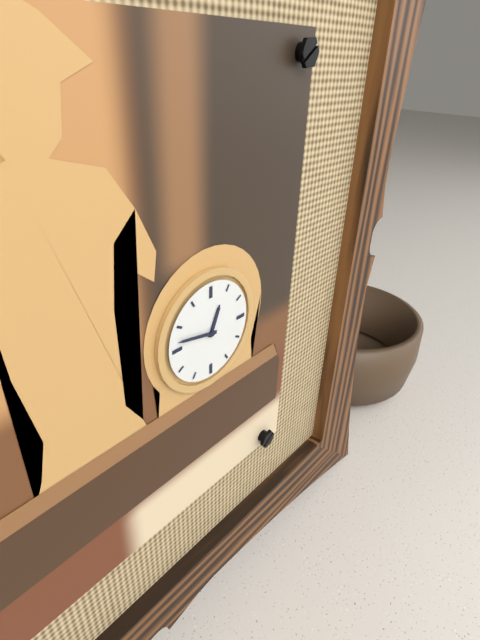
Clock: 12:47
